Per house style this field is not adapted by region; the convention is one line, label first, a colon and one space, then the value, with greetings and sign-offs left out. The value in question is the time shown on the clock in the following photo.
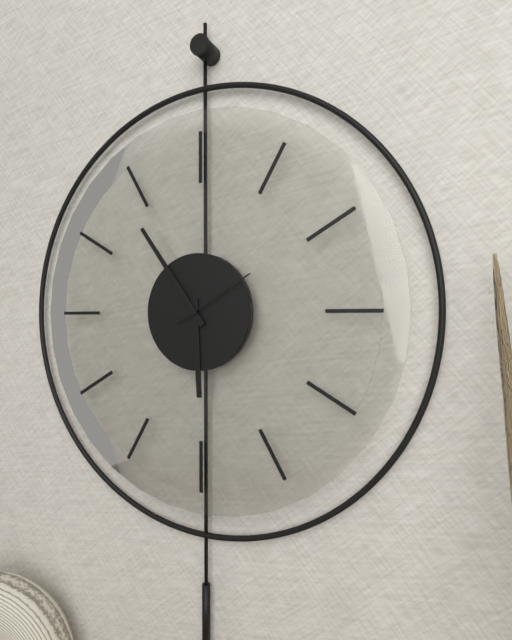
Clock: 5:54:10
